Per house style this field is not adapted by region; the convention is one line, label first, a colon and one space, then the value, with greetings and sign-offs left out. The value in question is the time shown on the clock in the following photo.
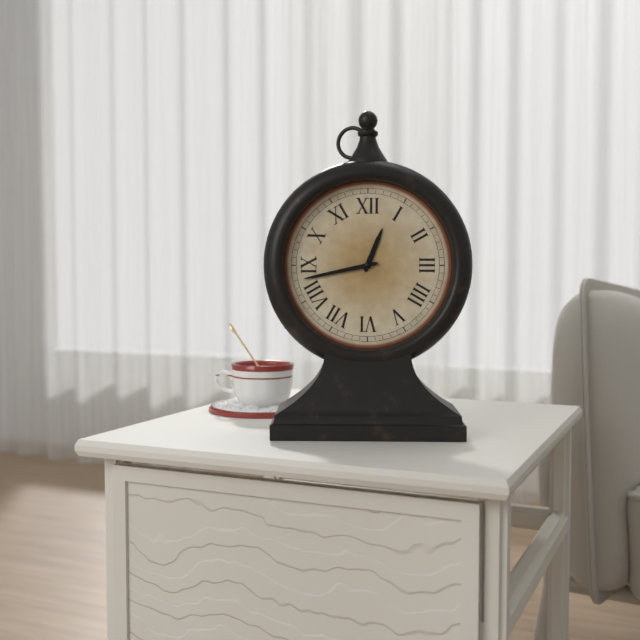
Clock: 12:43
